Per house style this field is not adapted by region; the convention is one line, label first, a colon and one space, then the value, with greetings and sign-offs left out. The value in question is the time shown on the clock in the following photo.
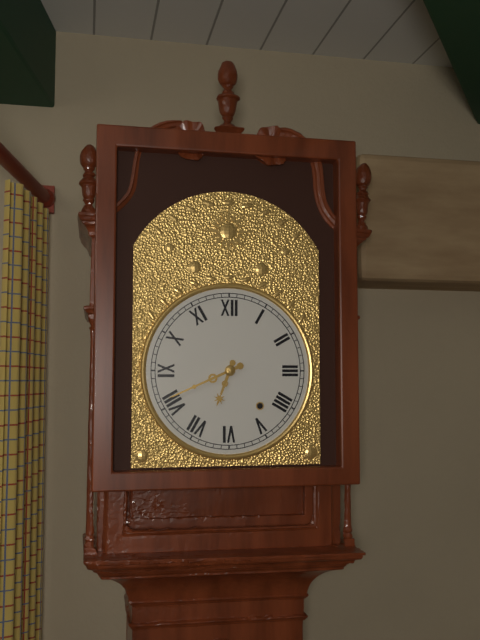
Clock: 6:41
